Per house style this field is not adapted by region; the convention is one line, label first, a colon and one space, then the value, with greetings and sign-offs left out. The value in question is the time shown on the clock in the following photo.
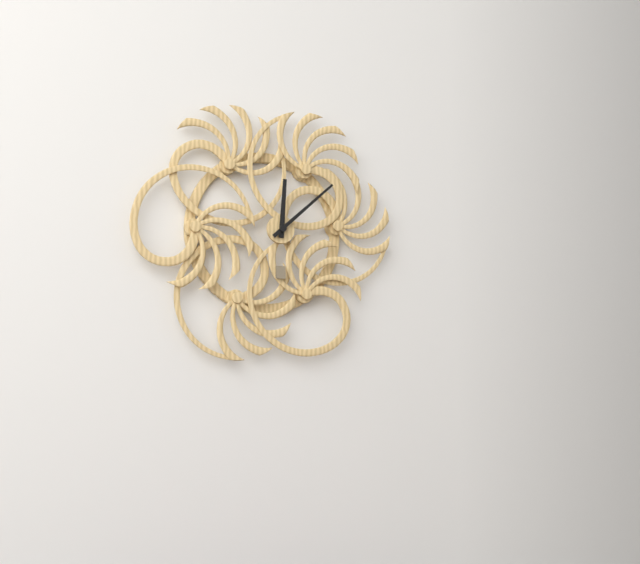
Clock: 12:08
